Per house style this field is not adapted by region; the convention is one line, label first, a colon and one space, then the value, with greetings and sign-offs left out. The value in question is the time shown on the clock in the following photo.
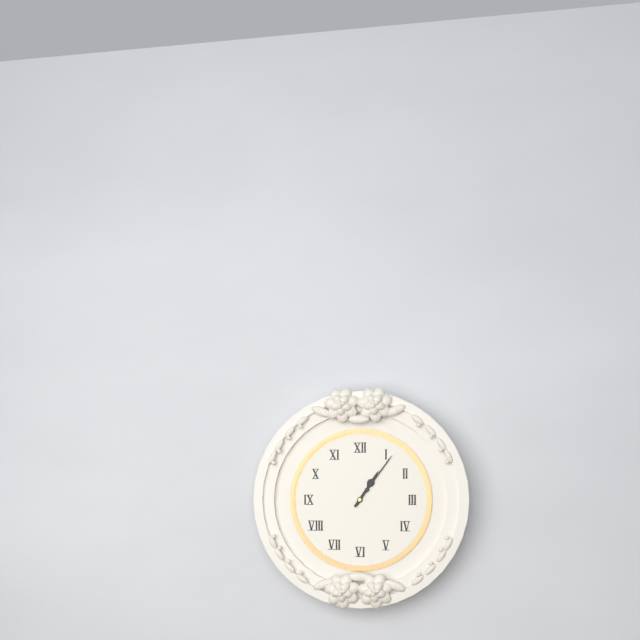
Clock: 1:06
